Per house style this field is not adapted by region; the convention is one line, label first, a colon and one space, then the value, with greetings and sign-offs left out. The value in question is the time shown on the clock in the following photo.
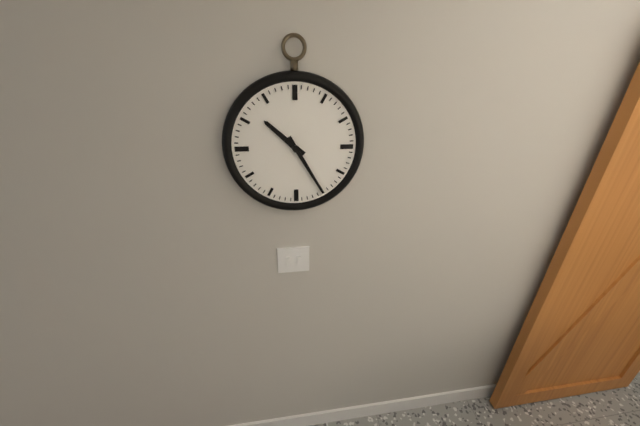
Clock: 10:25
